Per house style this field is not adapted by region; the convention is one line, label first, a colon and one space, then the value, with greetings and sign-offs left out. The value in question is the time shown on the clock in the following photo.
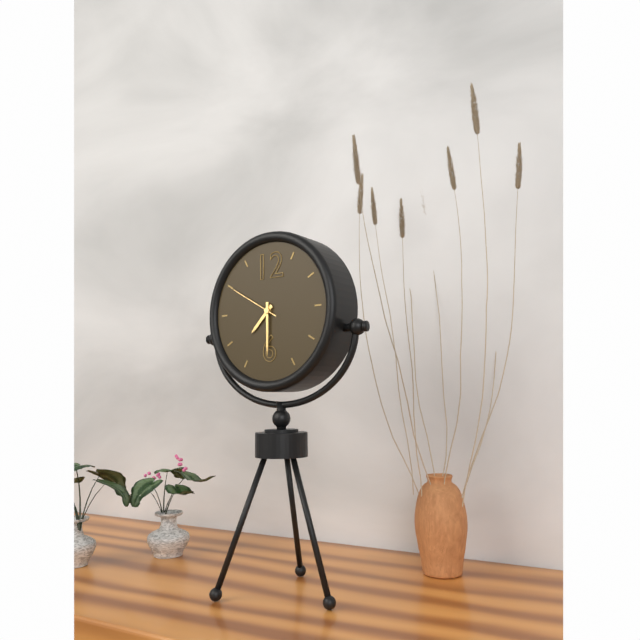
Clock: 7:30:50
